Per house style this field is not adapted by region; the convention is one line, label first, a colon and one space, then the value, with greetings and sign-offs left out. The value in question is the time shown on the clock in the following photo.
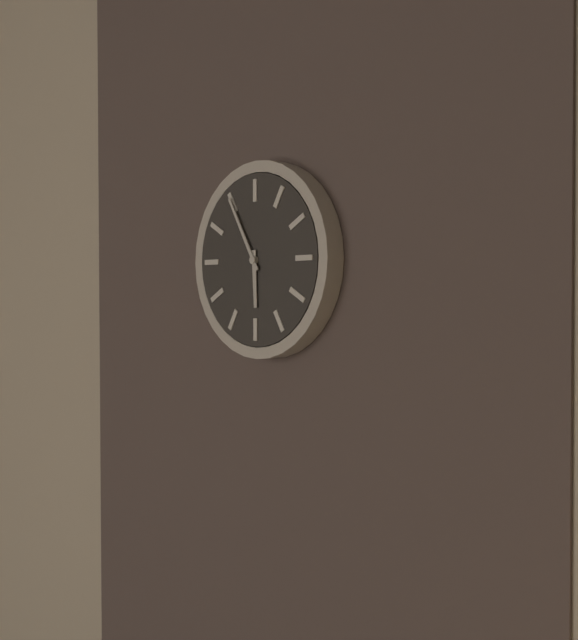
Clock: 5:55
